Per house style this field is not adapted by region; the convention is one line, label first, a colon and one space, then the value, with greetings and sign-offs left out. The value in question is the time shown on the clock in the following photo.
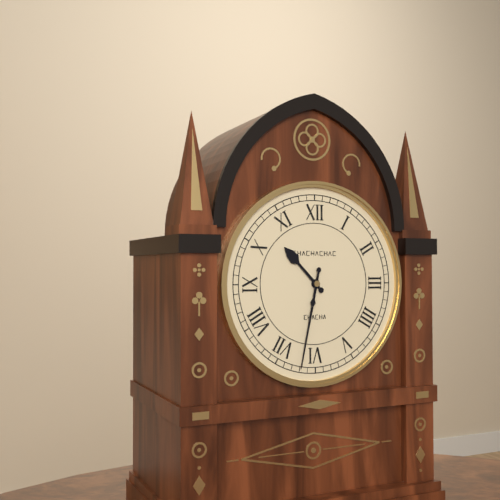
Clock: 10:32
